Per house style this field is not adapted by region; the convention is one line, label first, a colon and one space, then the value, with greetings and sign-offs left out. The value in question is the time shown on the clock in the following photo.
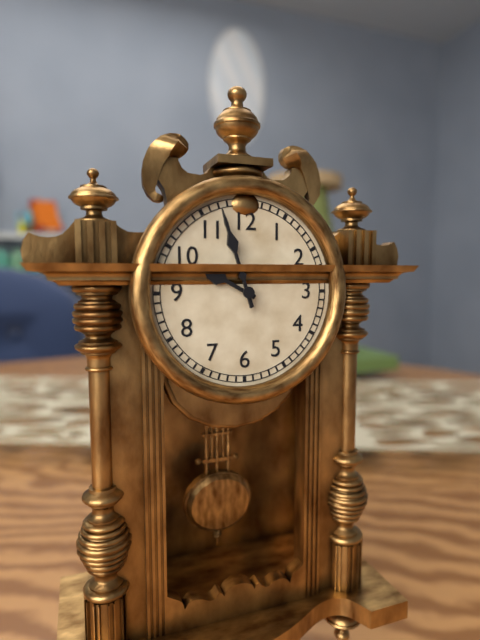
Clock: 9:57
